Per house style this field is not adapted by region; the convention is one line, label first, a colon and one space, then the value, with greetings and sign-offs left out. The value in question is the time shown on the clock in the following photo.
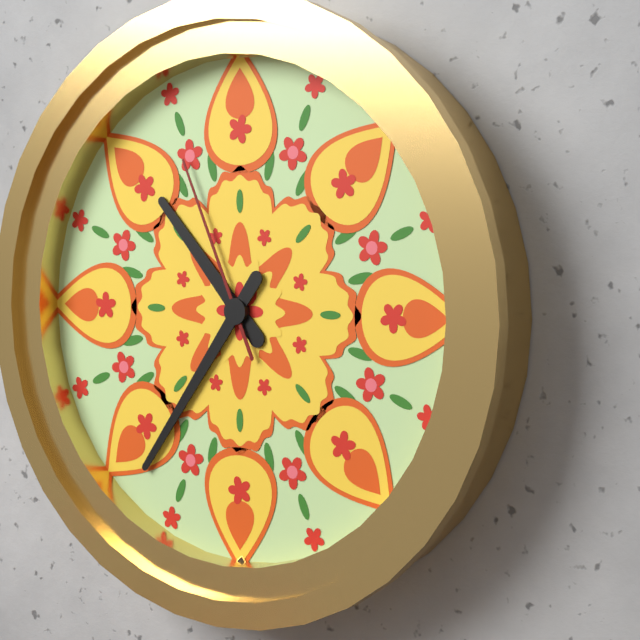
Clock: 10:36:56
